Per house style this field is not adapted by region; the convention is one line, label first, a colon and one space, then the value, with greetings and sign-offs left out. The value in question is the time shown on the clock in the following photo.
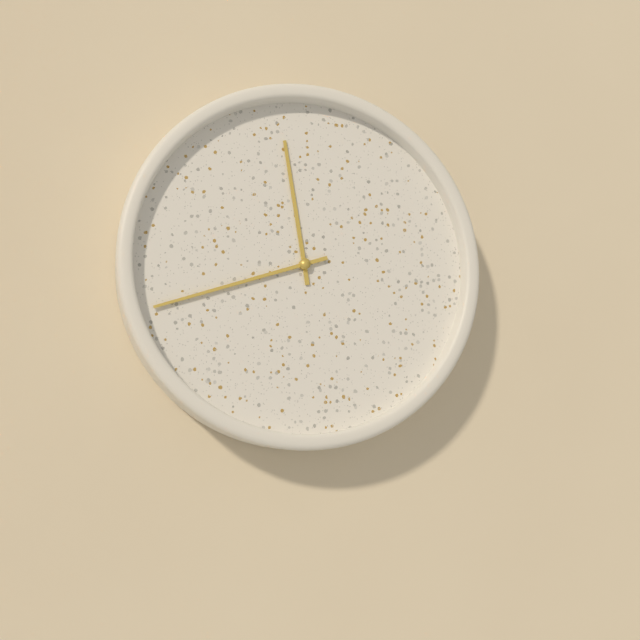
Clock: 11:42
